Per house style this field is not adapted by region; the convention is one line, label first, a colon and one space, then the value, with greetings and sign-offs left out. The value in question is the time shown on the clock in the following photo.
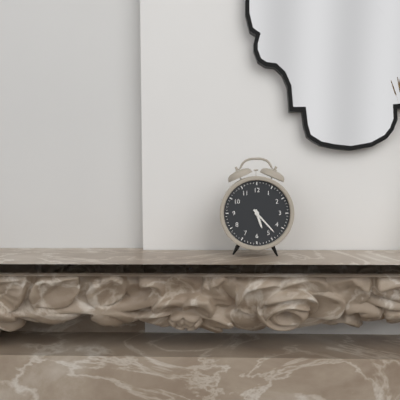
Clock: 5:23
